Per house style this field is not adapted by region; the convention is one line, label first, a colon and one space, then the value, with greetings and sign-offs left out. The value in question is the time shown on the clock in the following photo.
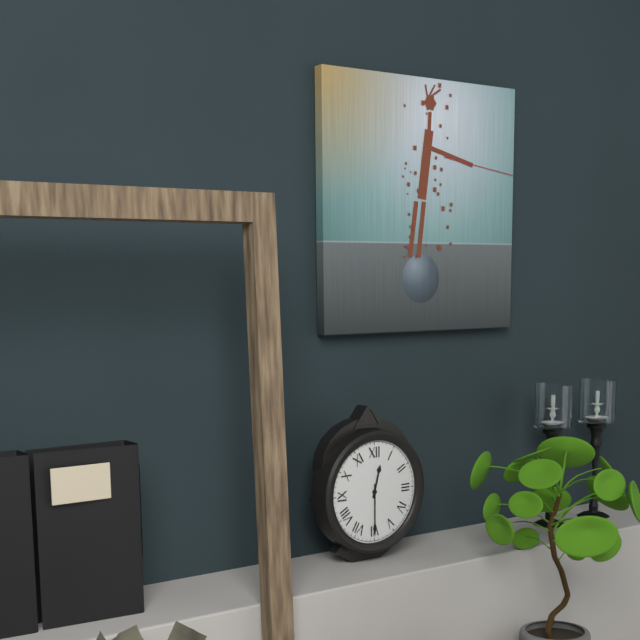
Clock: 12:30
